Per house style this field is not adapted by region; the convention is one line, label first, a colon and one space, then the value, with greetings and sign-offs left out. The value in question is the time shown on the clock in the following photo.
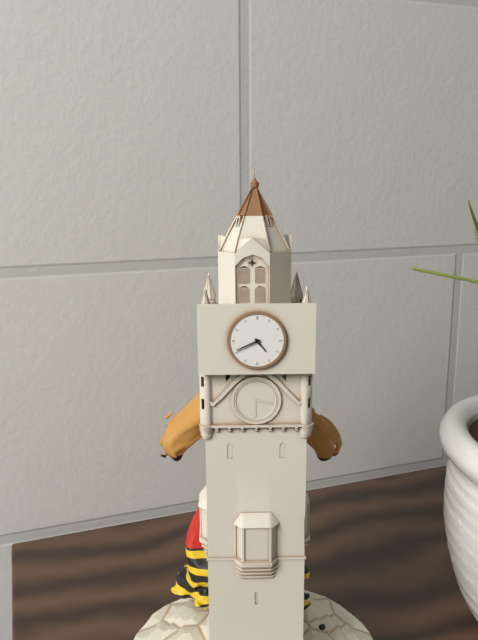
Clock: 4:41
